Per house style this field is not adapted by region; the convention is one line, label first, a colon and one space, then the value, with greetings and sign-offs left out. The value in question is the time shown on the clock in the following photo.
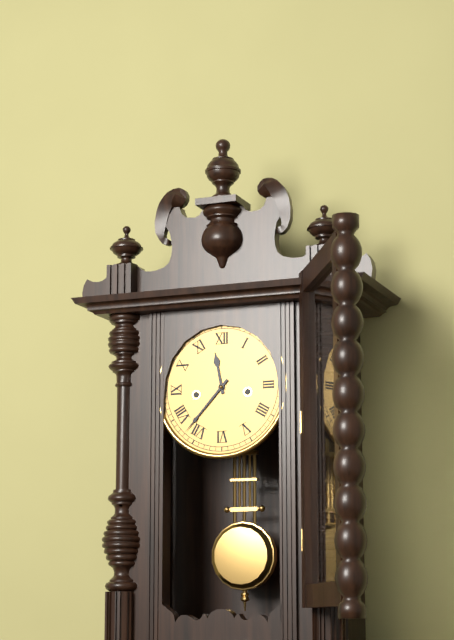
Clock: 11:37
